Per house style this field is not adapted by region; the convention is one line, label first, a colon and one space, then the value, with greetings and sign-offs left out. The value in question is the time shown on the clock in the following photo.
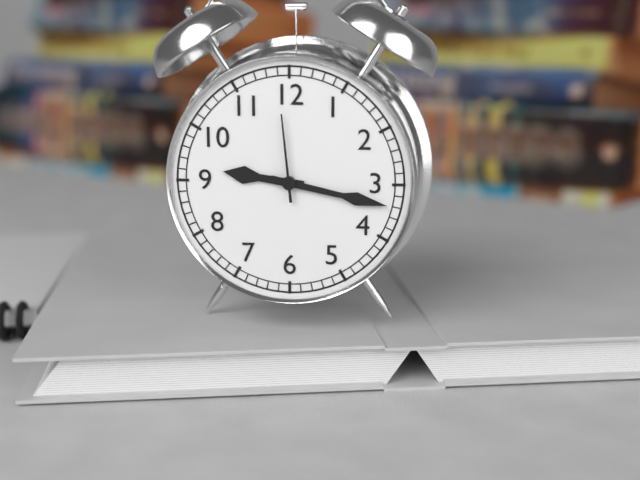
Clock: 9:17:59
